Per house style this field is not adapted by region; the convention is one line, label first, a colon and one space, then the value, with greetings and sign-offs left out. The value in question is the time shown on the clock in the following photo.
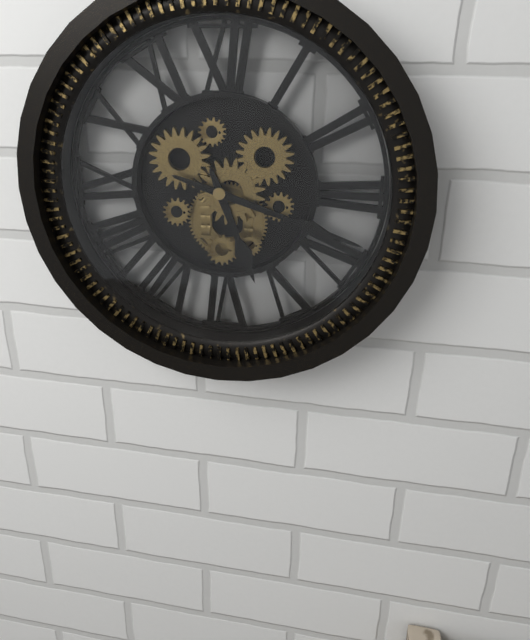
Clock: 5:18
